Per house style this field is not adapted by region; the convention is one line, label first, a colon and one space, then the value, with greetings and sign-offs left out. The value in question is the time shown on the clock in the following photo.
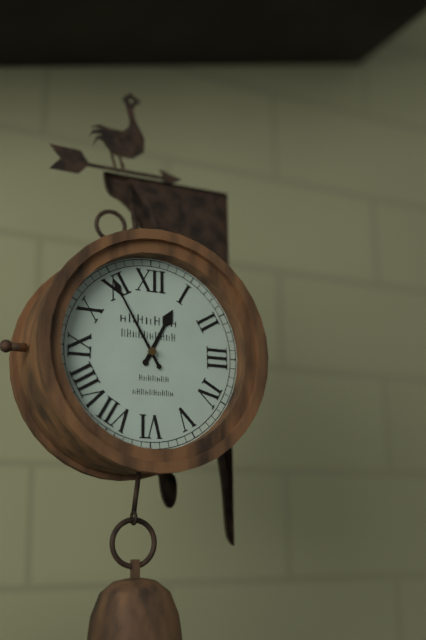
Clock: 12:55
